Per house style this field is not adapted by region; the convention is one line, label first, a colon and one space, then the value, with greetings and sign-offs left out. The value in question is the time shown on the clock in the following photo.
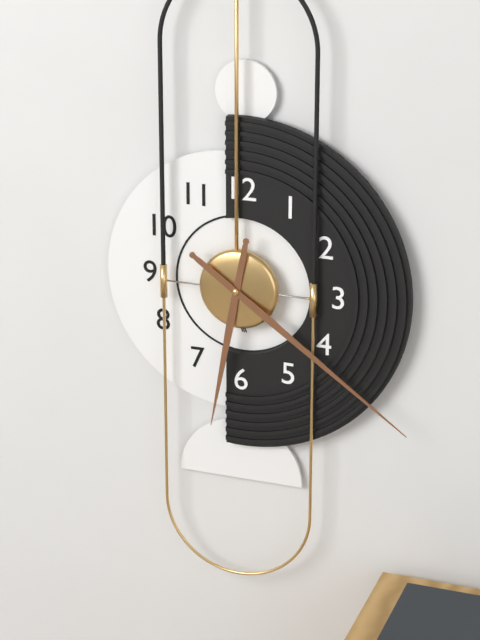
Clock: 6:21
